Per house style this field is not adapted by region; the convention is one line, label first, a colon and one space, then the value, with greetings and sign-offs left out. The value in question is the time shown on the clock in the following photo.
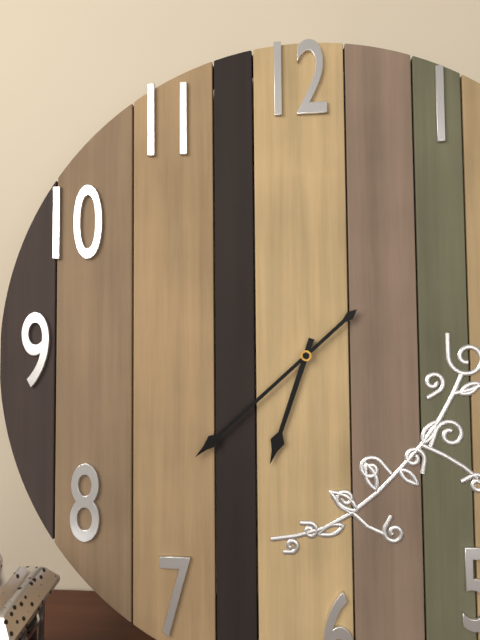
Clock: 6:38
